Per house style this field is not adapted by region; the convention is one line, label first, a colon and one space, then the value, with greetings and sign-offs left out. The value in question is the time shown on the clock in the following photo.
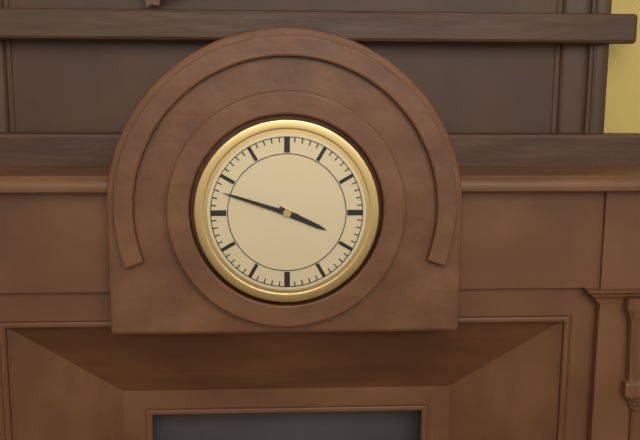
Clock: 3:48
